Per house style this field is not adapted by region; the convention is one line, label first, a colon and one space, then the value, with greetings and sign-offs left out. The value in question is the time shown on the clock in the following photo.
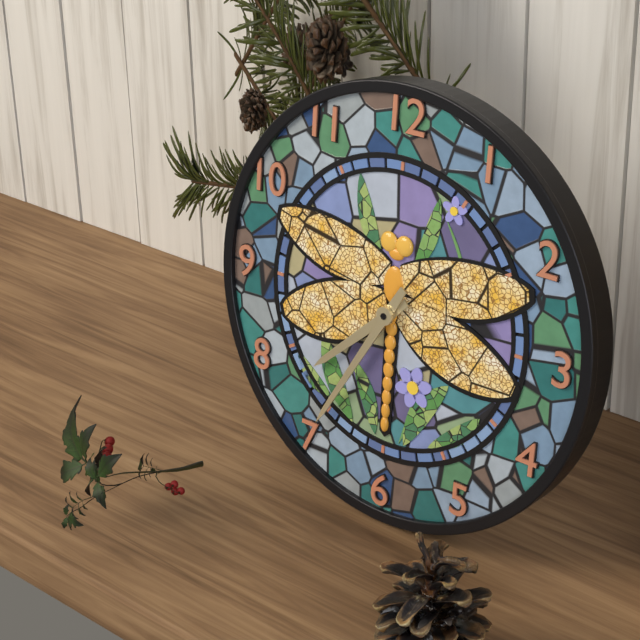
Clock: 7:35
